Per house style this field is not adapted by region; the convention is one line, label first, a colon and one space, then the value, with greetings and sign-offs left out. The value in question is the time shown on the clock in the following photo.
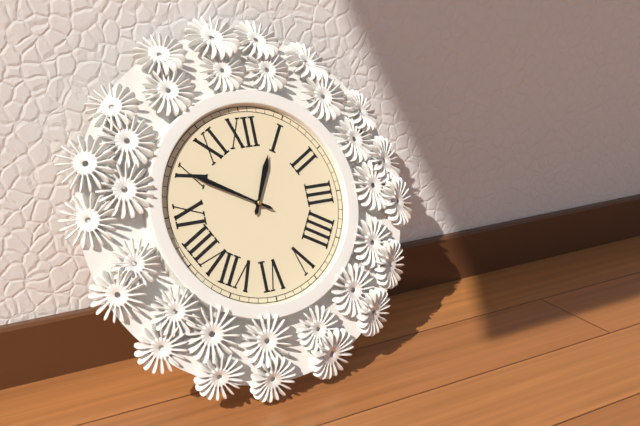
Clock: 12:50
